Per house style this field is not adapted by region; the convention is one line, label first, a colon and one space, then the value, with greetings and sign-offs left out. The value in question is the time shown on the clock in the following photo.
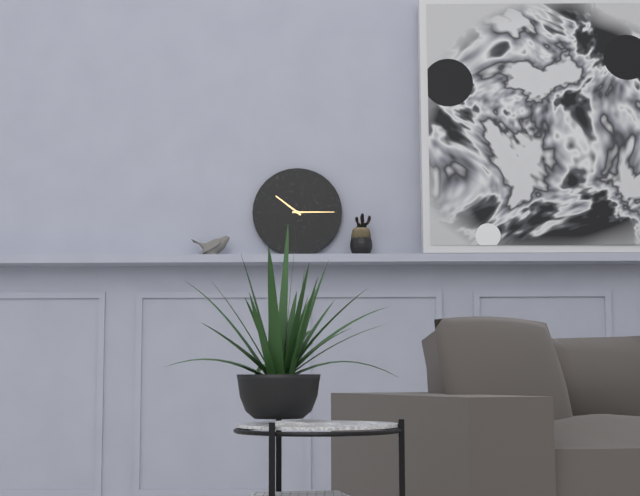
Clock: 10:15
